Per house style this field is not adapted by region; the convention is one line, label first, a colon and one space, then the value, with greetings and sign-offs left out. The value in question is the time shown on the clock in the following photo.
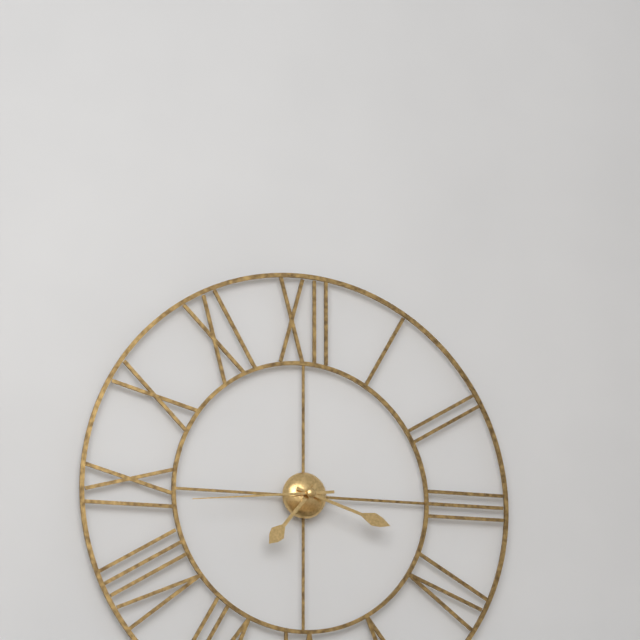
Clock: 7:18:44
